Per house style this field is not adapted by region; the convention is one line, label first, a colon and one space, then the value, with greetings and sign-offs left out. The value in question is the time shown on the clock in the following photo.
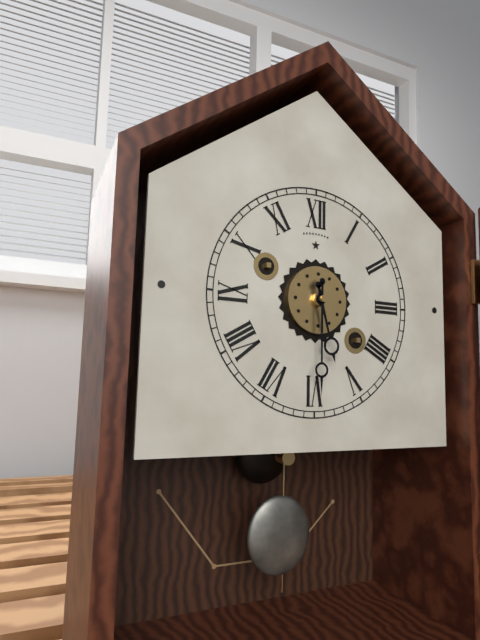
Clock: 5:30
